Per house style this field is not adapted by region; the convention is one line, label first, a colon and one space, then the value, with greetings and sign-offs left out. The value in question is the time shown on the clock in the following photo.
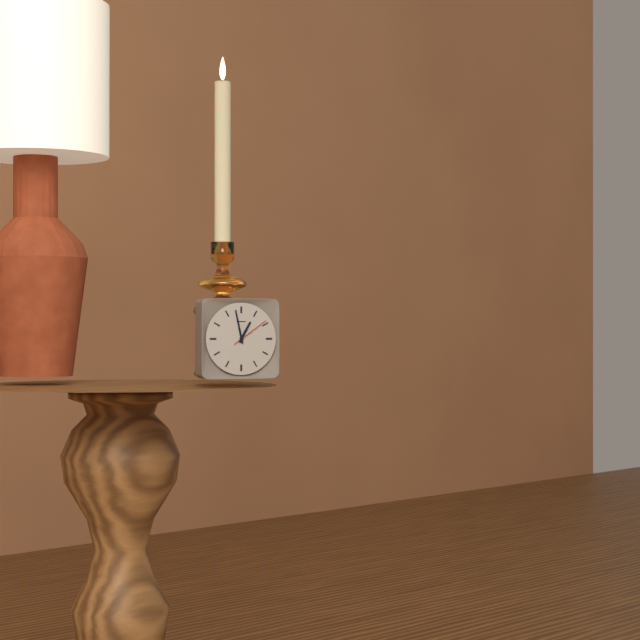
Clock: 12:58
